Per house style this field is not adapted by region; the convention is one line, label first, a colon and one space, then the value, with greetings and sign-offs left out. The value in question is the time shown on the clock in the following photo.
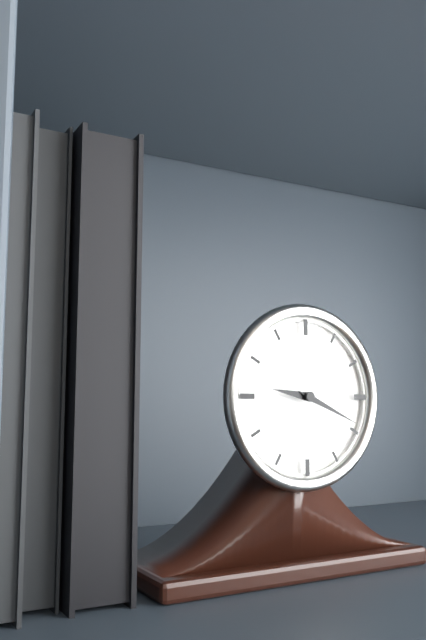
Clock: 9:19
